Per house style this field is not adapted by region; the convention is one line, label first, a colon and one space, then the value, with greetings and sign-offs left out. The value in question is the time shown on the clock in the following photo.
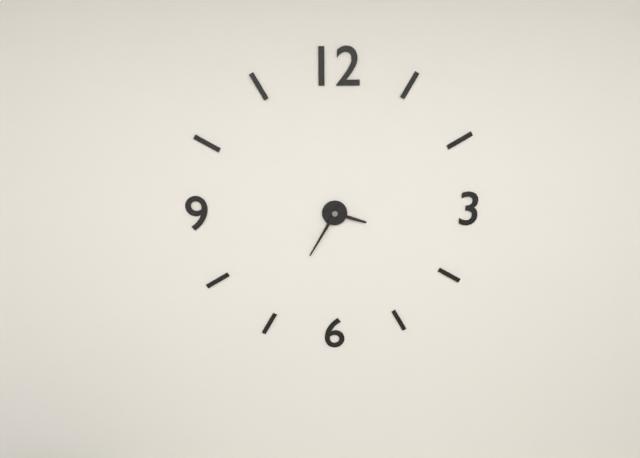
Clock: 3:35
